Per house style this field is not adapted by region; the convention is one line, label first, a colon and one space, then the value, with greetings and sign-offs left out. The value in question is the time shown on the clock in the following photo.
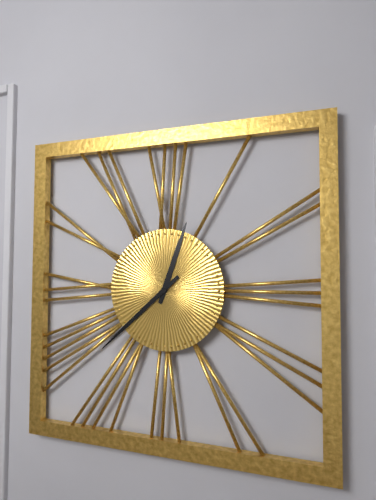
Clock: 12:38
